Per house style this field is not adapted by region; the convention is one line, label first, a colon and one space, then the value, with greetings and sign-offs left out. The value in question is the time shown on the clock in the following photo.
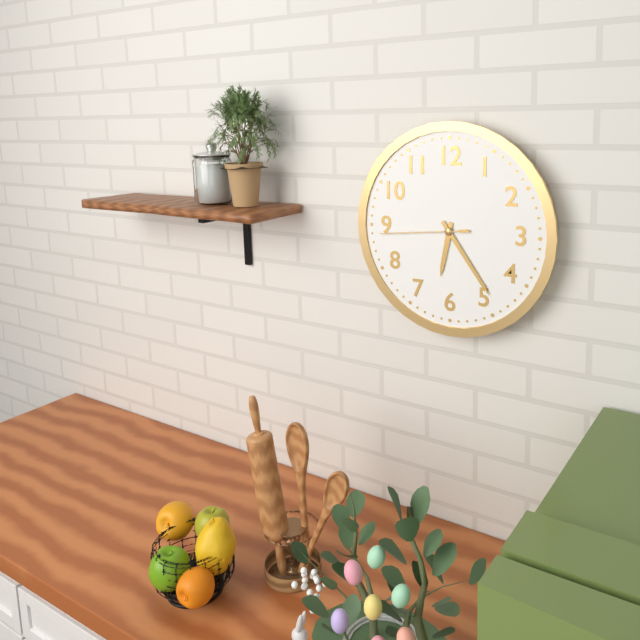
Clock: 6:24:44
